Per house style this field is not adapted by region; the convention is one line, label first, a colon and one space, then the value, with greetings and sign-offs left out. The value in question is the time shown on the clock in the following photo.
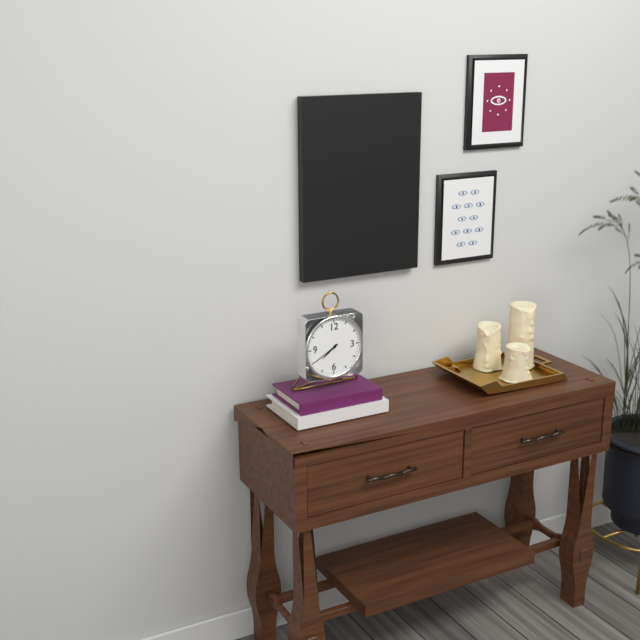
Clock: 7:40
